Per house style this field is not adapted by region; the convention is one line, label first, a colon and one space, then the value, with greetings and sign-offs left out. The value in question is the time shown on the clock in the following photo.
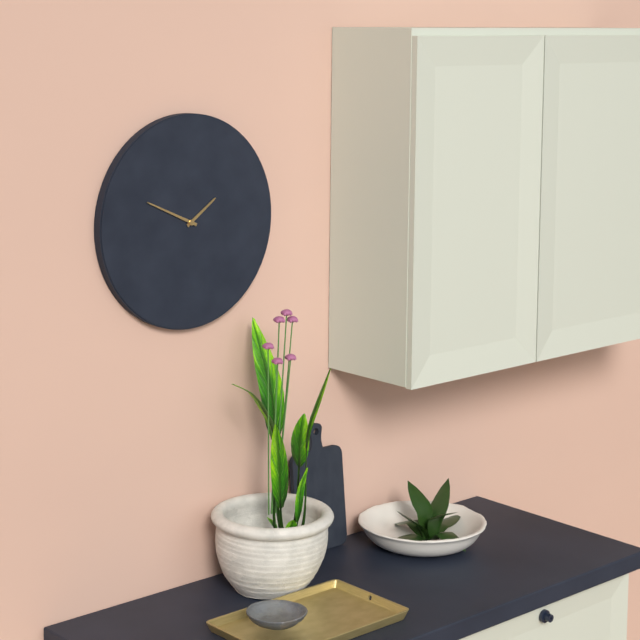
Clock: 1:49
